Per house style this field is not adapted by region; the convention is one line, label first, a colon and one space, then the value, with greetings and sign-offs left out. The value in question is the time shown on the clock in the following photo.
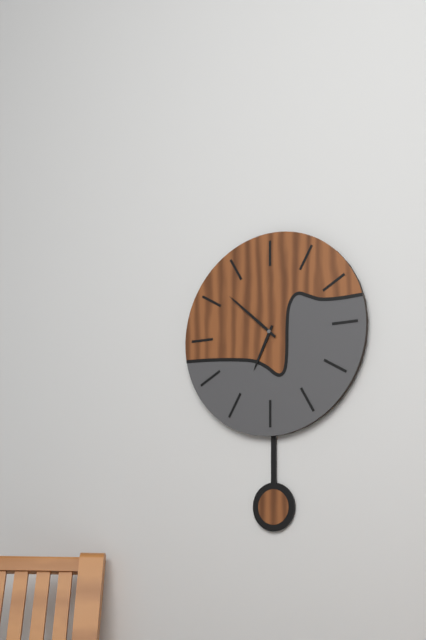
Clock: 6:52
